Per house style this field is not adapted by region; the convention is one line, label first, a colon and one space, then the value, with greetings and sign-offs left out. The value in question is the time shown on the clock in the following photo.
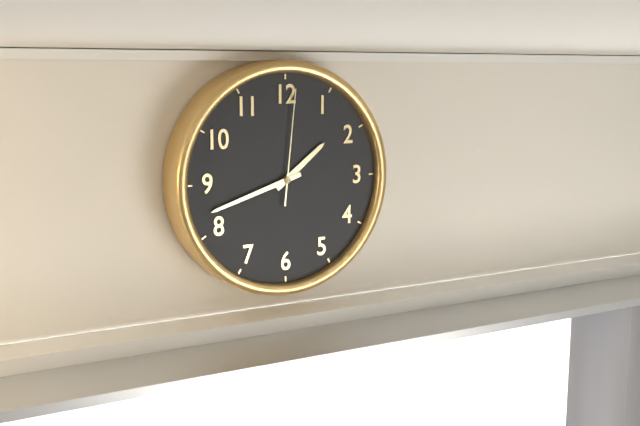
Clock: 1:42:01
